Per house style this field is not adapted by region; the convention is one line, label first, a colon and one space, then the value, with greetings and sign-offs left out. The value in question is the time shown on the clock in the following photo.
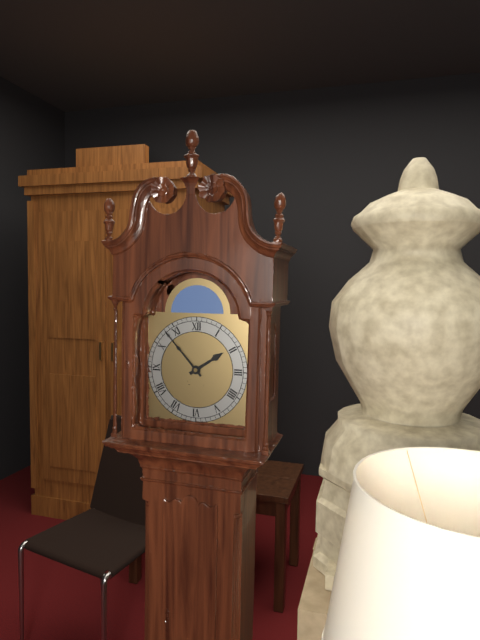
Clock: 1:53
